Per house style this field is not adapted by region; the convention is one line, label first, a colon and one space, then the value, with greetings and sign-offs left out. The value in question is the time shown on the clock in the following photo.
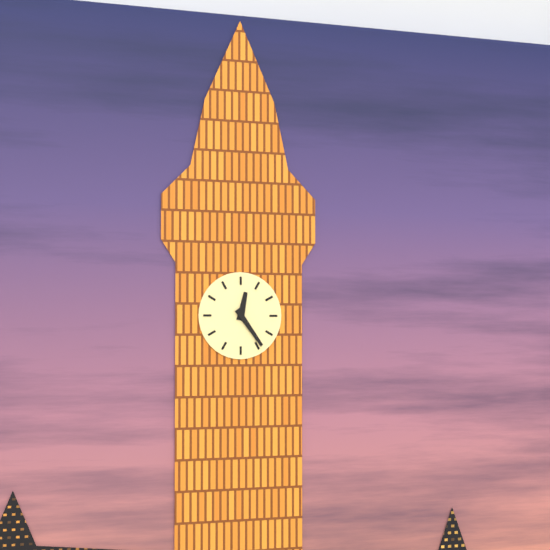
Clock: 12:24
